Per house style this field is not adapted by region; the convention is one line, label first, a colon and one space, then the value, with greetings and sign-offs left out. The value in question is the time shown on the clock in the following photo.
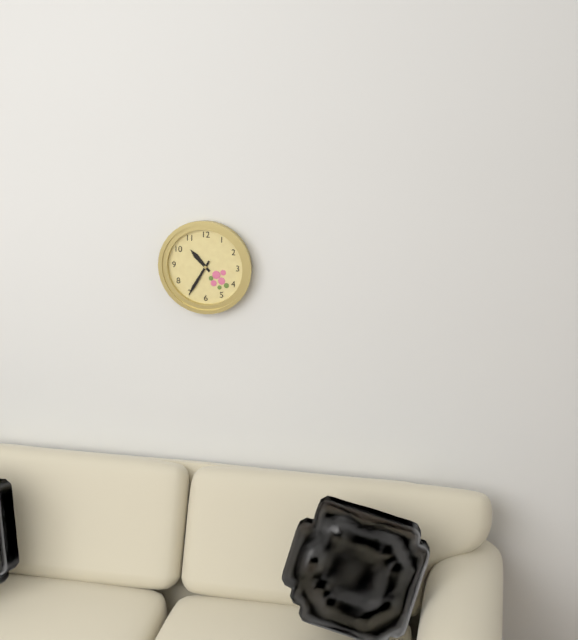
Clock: 10:35
